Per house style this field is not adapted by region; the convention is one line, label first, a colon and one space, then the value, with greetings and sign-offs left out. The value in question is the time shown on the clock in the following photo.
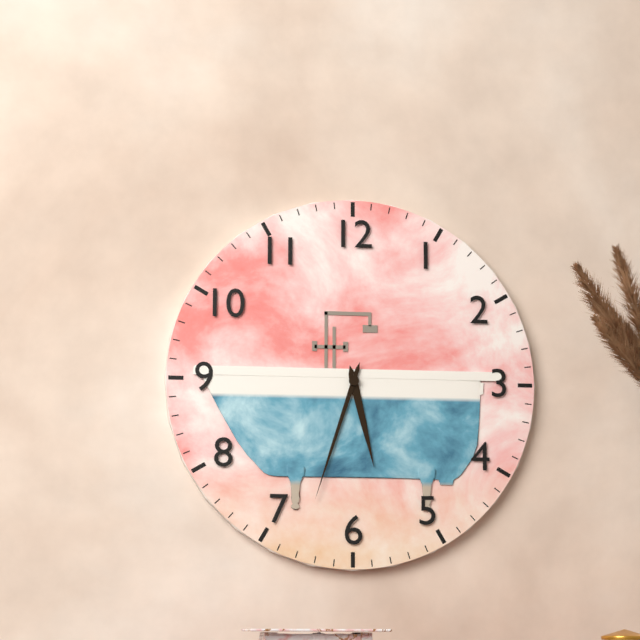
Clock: 5:33
